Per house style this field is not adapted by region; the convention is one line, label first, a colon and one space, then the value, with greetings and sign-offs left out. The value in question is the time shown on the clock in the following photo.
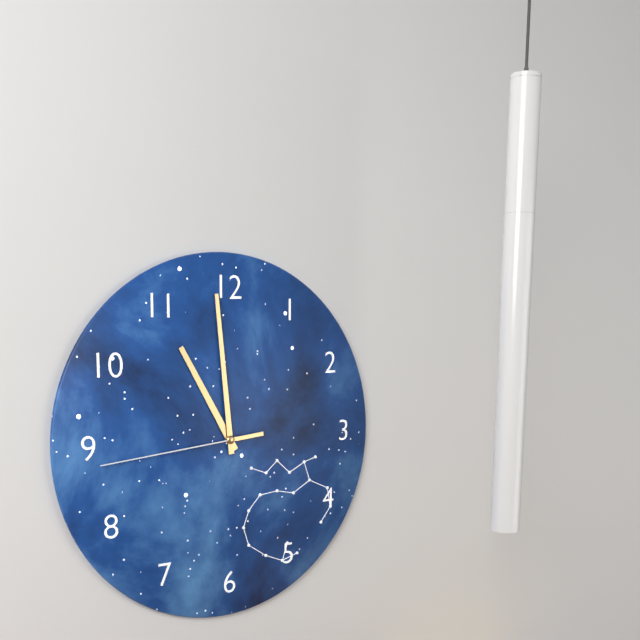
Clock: 10:59:44
